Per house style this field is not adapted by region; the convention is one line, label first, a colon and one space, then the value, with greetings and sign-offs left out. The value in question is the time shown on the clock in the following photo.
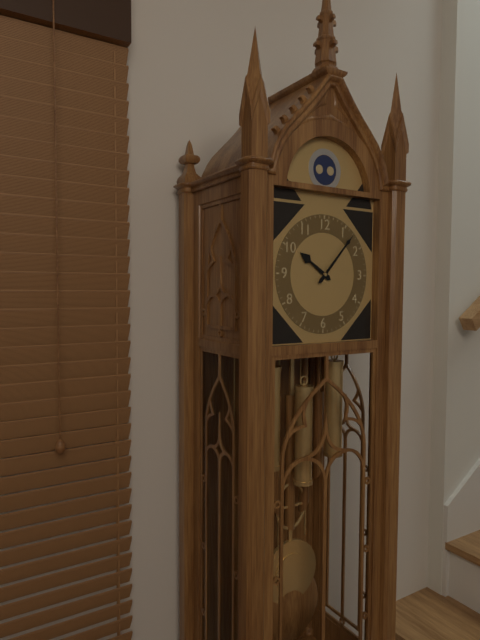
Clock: 10:07
